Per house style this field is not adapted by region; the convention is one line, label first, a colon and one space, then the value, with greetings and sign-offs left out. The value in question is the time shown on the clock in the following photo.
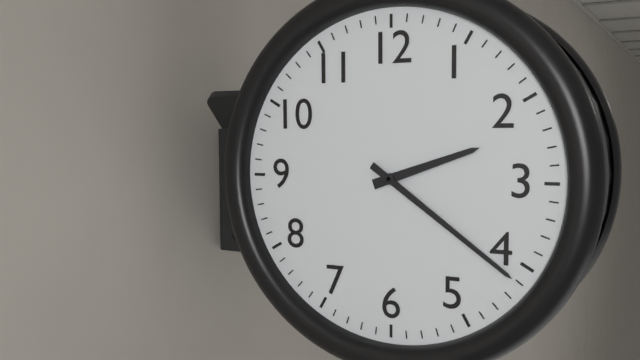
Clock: 2:21
